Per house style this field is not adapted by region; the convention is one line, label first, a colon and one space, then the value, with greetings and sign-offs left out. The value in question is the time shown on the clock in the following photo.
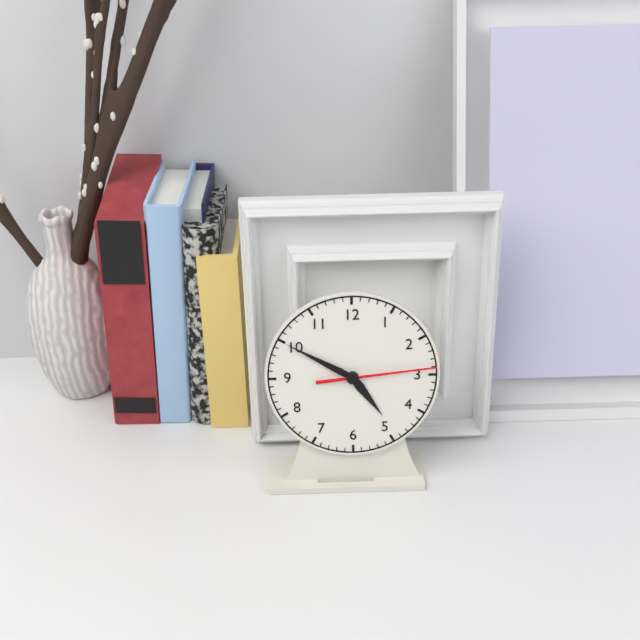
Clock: 4:50:14
